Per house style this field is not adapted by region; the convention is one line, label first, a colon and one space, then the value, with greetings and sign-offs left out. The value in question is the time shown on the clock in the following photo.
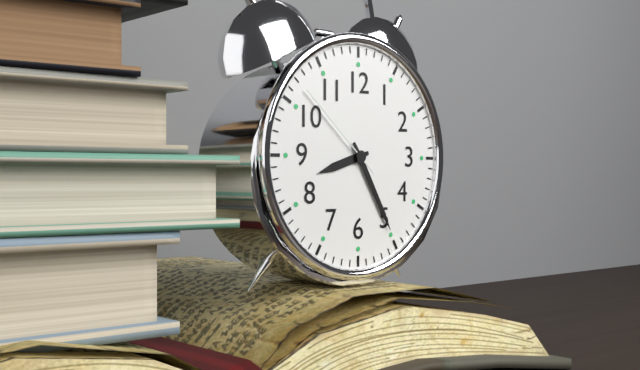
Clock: 8:25:52
